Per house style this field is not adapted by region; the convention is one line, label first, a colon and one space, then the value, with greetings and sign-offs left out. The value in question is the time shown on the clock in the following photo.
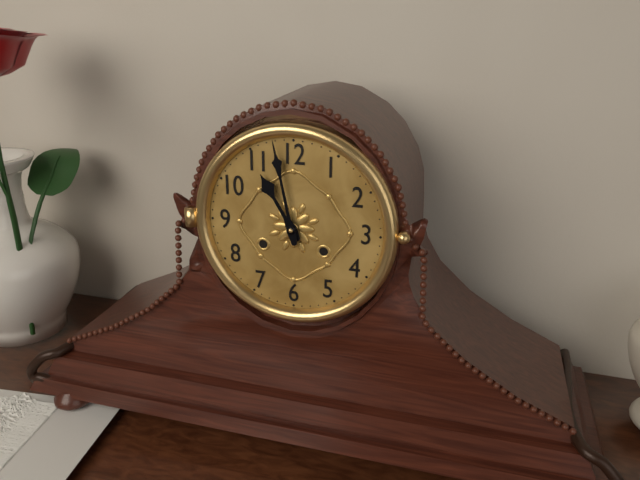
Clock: 10:58
